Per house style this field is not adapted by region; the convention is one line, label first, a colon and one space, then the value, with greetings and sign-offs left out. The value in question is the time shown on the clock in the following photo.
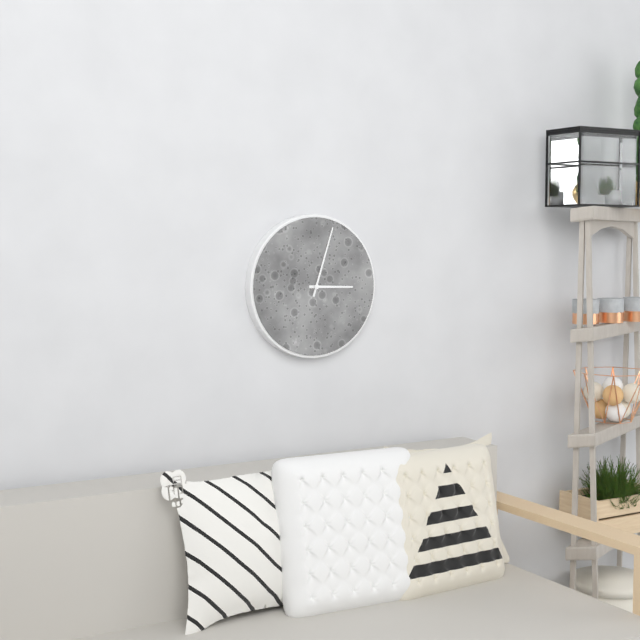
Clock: 3:03
